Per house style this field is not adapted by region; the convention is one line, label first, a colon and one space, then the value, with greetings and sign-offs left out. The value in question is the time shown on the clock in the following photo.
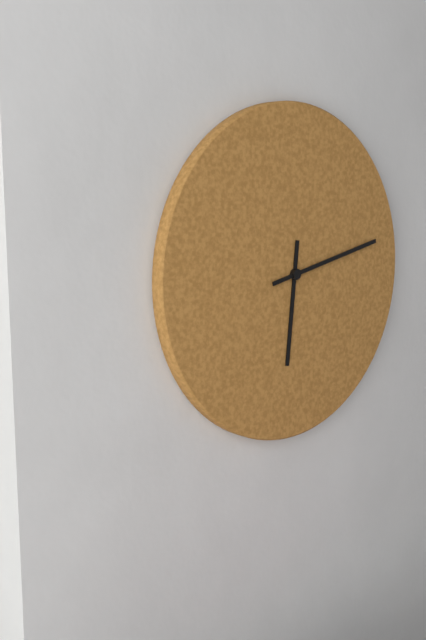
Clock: 6:13
